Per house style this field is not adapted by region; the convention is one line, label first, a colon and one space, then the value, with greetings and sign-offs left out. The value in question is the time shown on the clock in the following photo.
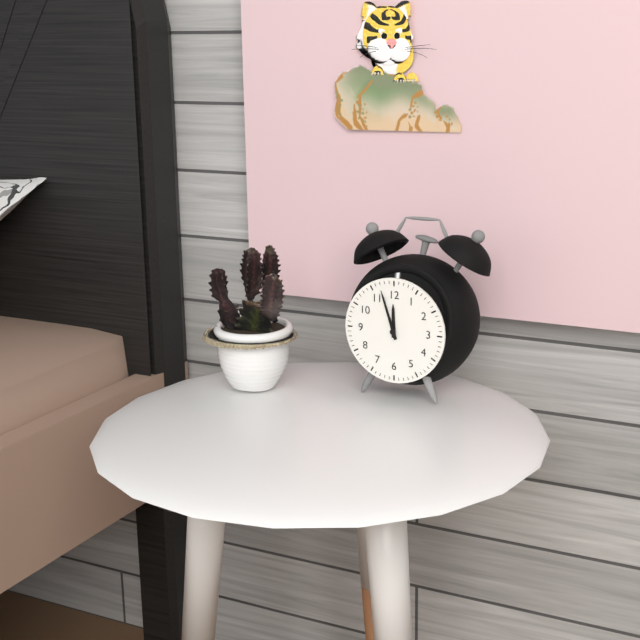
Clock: 11:57
